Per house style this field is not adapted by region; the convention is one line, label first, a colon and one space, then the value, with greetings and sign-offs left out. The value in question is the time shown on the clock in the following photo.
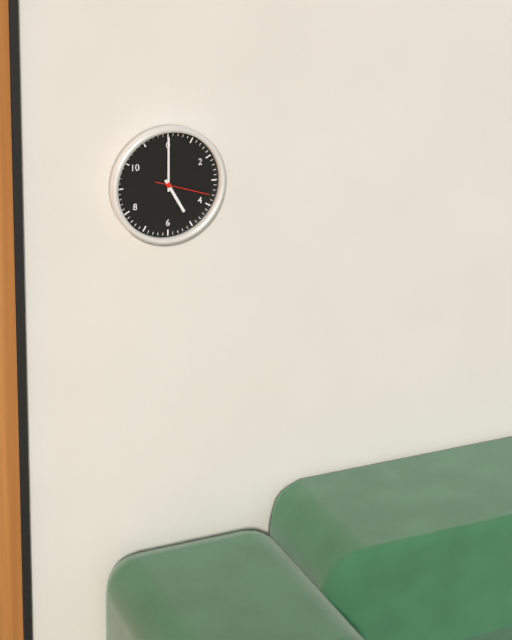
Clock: 5:00:18
